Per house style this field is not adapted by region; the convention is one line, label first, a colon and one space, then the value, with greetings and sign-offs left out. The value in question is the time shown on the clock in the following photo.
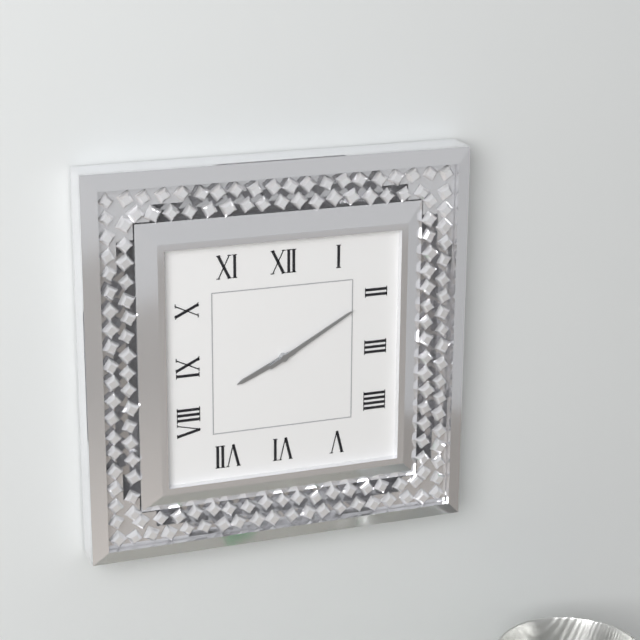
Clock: 8:10
